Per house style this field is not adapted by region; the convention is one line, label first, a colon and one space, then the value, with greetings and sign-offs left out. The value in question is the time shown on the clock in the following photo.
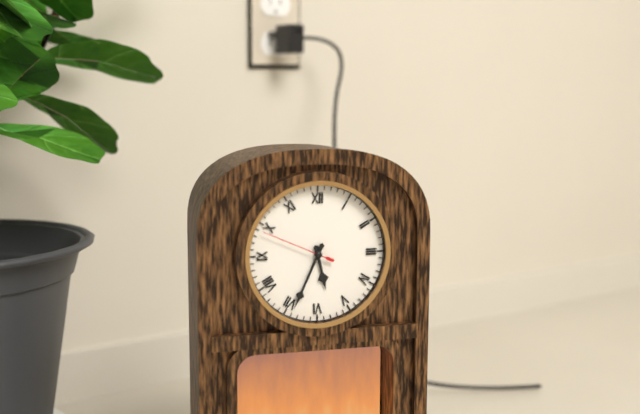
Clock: 5:34:49
